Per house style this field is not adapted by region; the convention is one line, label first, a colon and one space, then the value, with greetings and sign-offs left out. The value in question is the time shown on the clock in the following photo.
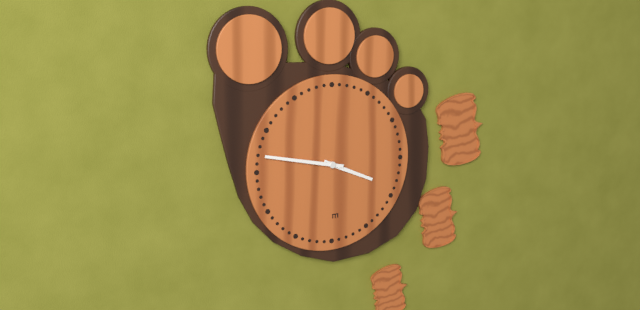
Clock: 3:47
